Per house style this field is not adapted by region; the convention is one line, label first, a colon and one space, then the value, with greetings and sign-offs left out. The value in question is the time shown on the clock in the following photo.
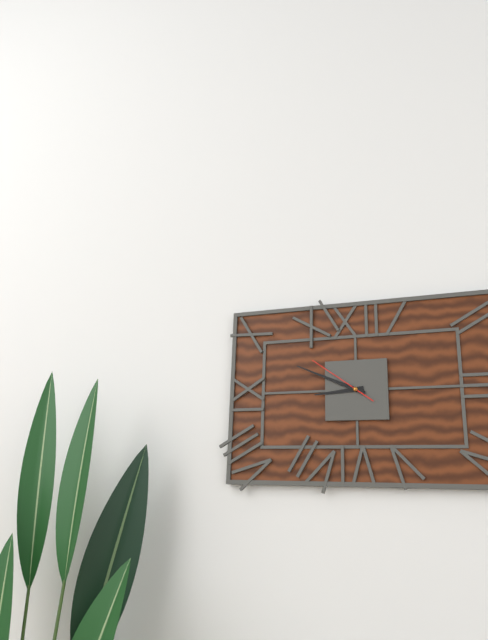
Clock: 8:49:51
